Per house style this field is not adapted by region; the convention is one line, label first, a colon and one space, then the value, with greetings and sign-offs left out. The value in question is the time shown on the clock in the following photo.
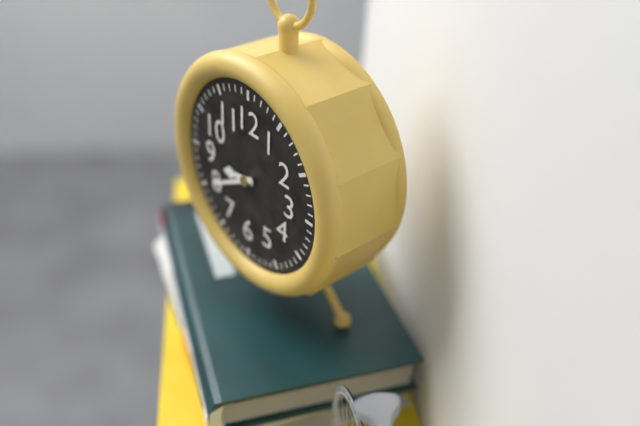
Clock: 8:40
